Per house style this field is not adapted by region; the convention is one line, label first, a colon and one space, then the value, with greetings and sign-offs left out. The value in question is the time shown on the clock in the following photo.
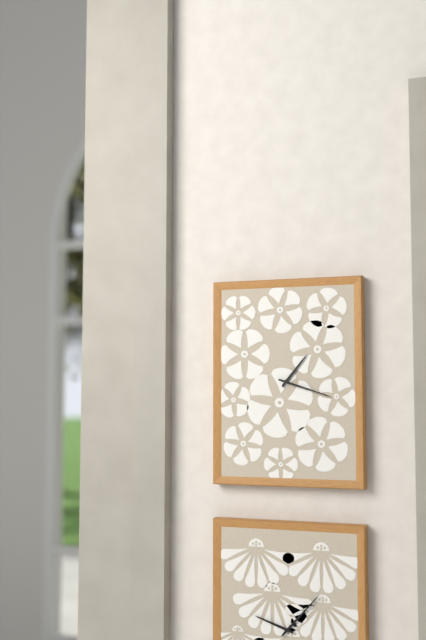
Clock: 1:18
